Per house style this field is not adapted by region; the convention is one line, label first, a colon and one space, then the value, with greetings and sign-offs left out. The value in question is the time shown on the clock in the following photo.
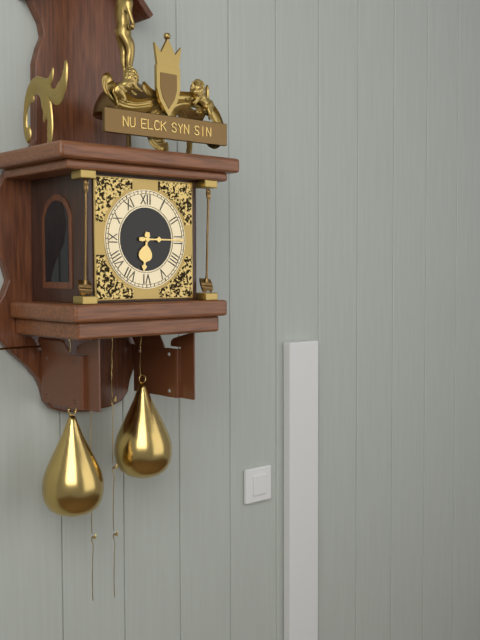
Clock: 6:15
